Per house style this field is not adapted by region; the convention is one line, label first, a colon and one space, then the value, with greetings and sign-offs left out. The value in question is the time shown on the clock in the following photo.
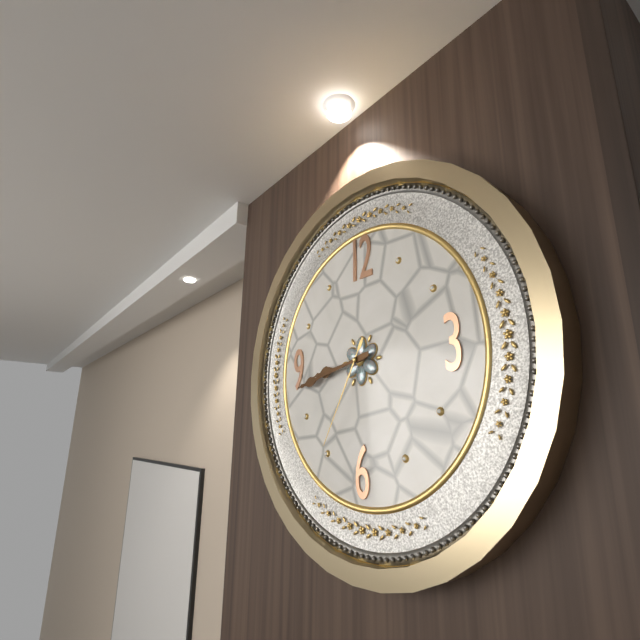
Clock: 8:43:35
